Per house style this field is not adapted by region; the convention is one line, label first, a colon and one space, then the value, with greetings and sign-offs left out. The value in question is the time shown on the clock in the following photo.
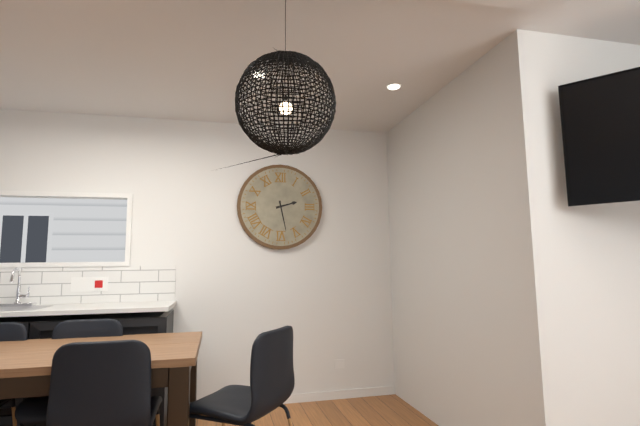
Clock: 2:28
